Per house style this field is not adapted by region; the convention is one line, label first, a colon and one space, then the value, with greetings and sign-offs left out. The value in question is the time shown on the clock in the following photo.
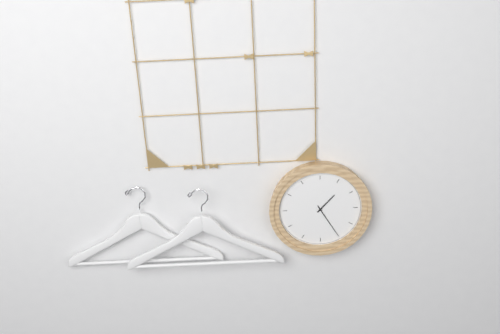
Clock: 1:25
